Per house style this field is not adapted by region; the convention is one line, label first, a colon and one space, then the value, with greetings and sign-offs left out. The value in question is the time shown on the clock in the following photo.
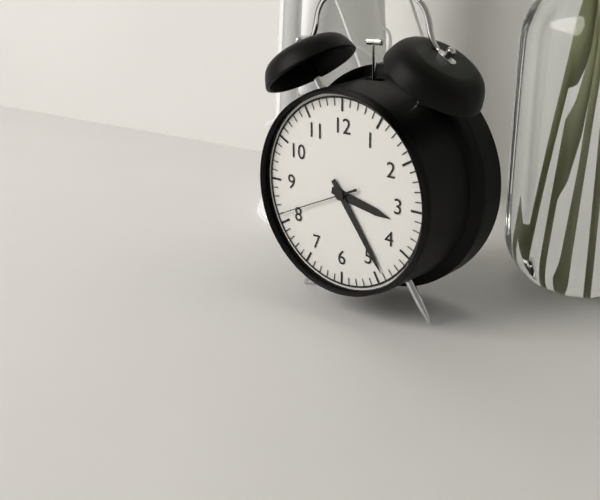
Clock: 3:24:41
